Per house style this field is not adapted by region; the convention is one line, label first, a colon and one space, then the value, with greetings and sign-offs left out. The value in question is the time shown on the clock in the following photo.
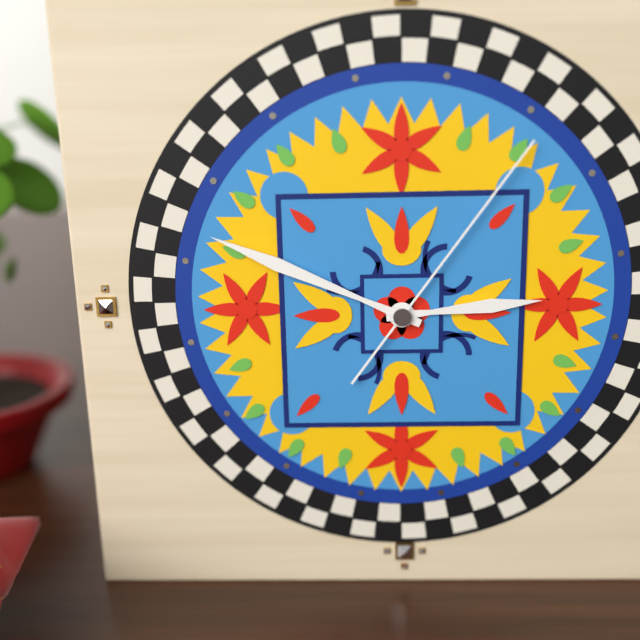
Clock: 2:49:06
